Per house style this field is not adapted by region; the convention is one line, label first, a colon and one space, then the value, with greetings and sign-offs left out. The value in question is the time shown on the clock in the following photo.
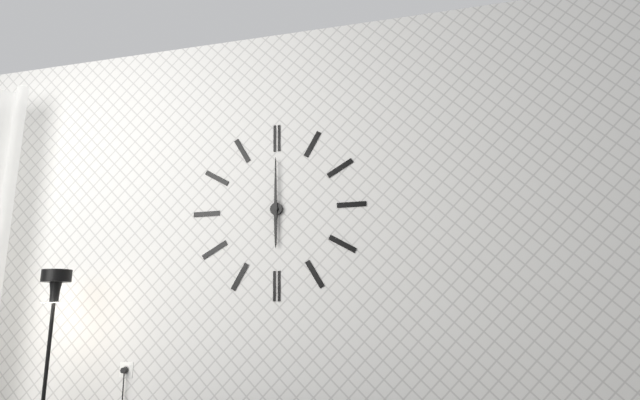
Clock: 6:00
